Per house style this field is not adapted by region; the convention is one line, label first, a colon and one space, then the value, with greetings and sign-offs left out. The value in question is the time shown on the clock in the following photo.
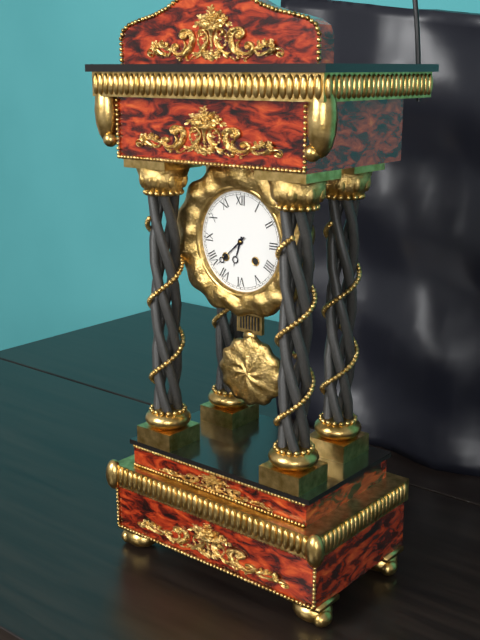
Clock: 6:38
